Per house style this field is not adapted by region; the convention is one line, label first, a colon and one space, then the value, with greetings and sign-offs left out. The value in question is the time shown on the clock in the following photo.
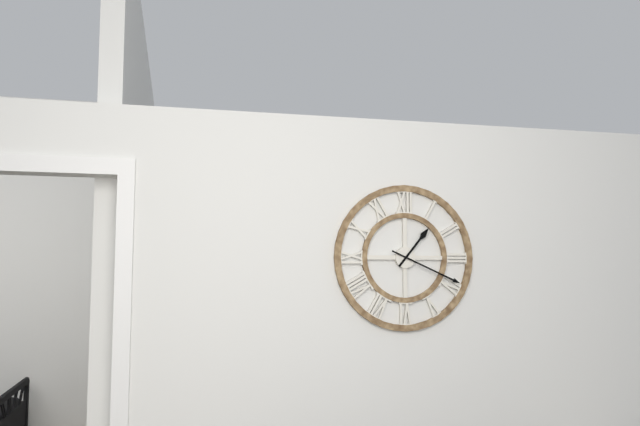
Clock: 1:19
